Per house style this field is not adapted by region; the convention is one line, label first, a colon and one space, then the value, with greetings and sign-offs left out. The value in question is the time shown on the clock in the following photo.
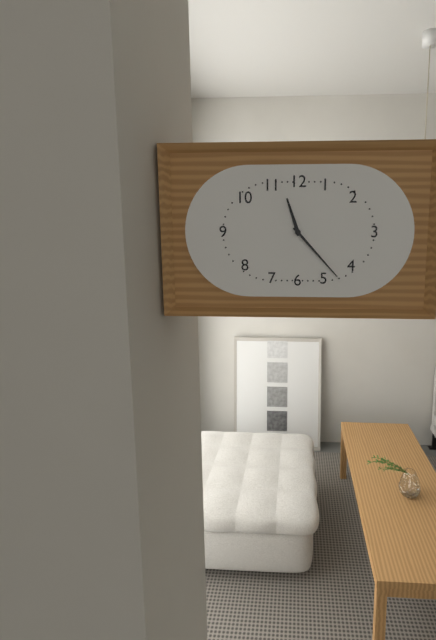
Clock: 11:23
